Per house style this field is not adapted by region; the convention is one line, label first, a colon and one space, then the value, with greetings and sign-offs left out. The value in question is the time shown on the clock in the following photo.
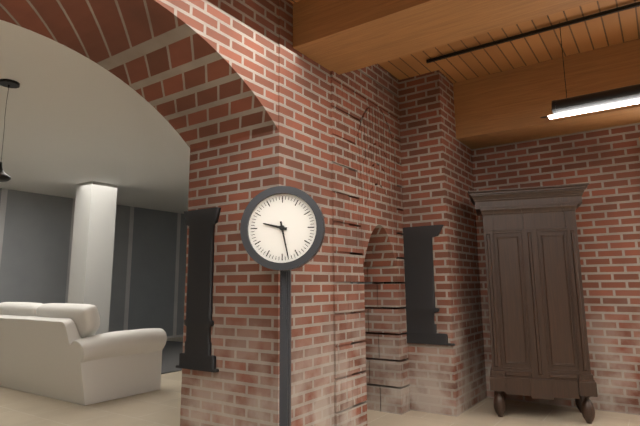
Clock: 9:28
